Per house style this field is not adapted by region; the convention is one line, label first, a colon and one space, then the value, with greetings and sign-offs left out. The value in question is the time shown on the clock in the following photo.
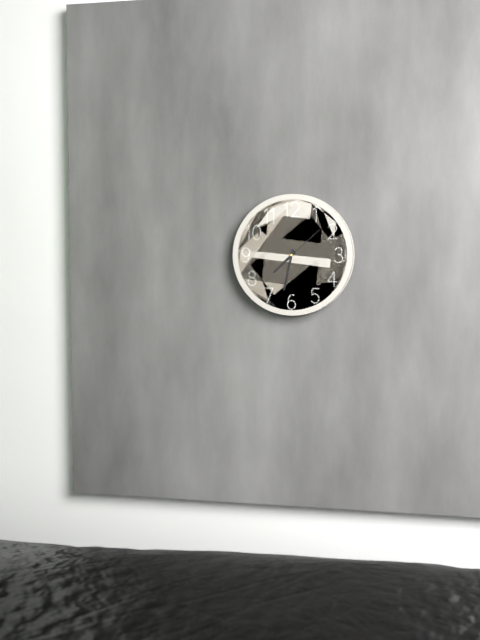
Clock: 7:32
